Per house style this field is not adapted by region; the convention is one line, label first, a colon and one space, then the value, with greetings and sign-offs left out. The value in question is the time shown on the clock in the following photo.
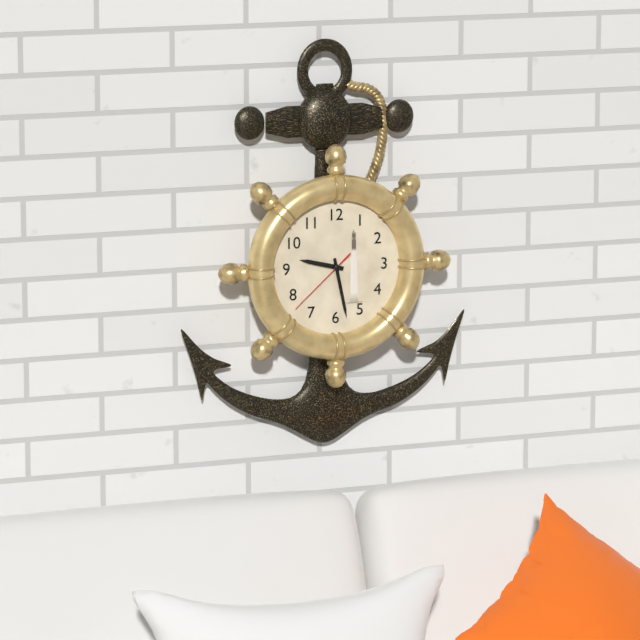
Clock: 9:28:38
